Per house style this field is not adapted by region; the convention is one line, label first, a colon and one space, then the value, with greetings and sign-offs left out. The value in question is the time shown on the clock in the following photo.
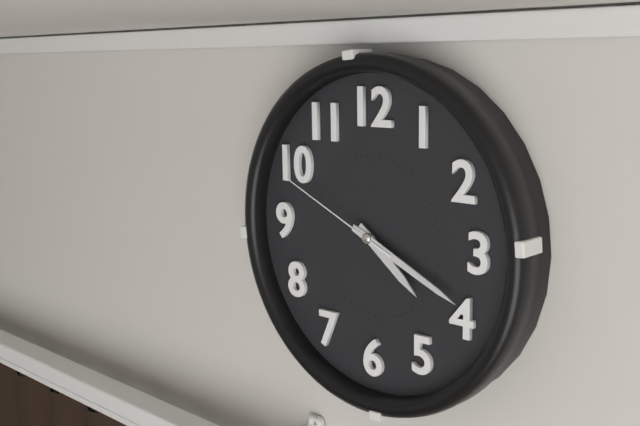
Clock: 4:19:49
